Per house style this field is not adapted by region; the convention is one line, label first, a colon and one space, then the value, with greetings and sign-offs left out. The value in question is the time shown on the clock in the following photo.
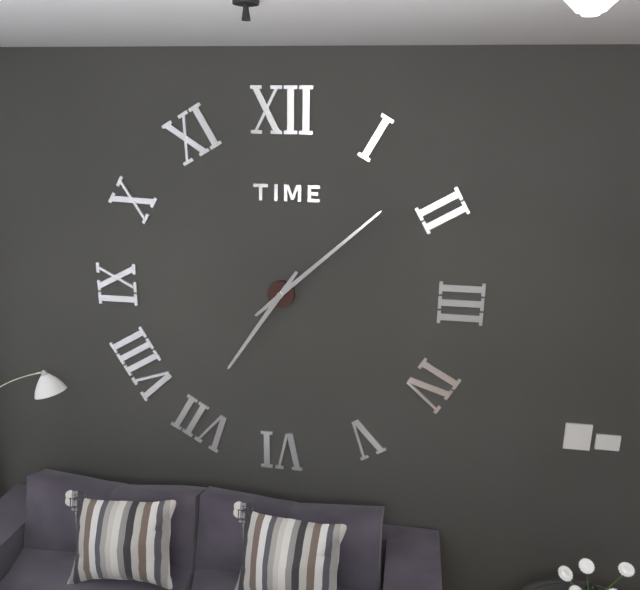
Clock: 7:08
